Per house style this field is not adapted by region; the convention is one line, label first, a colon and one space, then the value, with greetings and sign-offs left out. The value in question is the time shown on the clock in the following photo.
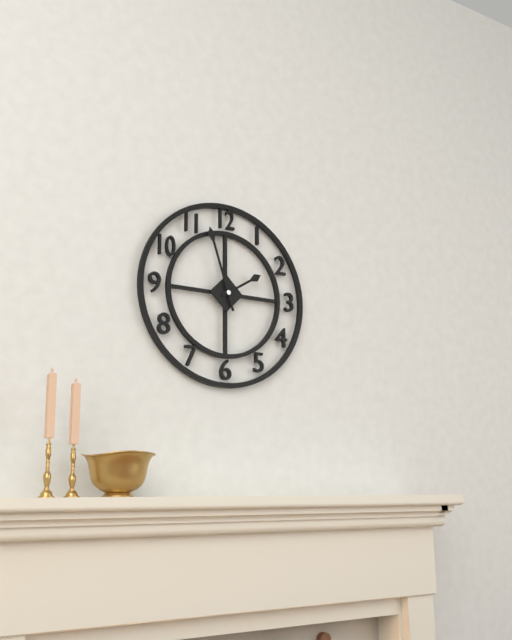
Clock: 1:57
